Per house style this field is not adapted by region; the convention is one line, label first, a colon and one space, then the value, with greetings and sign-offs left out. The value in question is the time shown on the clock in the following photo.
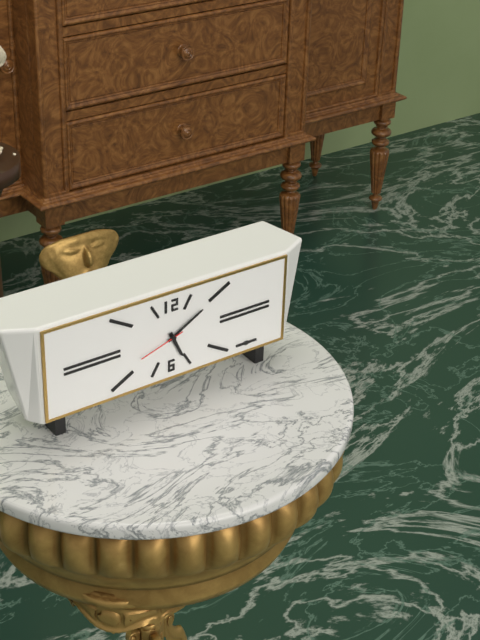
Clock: 5:10
